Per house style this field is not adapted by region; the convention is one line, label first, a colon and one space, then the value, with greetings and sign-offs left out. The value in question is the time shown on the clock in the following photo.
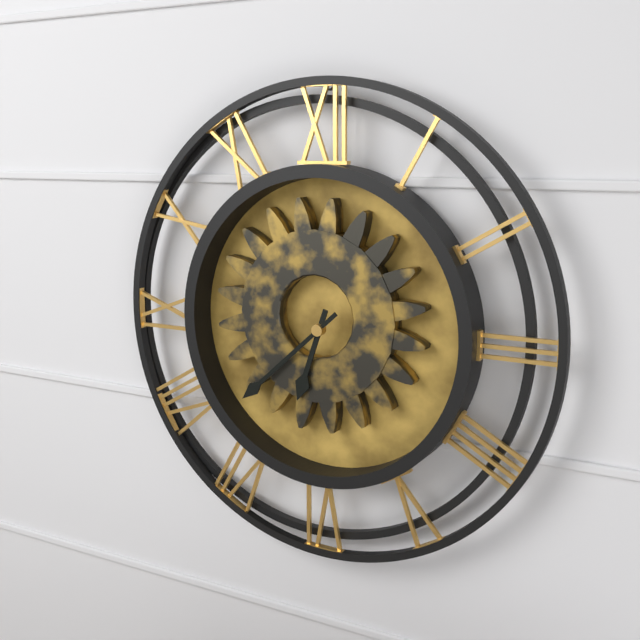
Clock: 6:38
